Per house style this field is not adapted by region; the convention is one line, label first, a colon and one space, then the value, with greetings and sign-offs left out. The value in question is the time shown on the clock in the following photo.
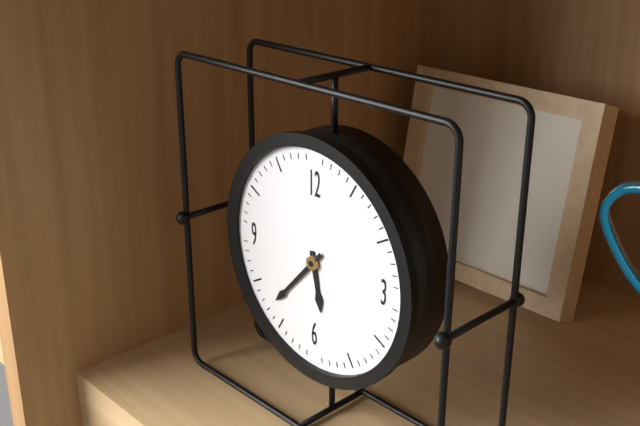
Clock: 5:37
